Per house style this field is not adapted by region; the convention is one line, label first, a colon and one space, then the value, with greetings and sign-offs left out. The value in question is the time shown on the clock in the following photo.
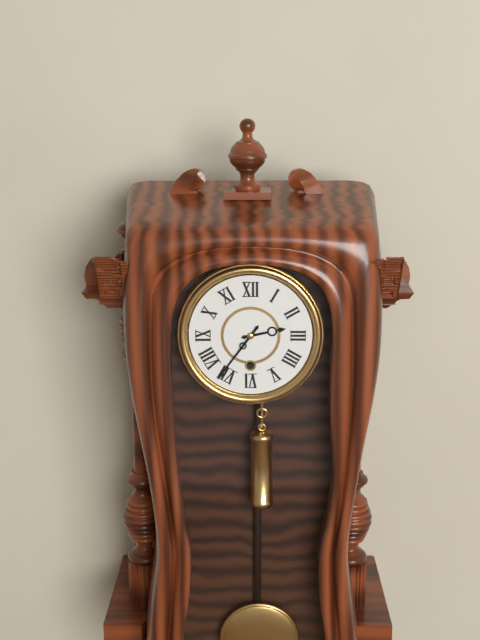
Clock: 2:36
